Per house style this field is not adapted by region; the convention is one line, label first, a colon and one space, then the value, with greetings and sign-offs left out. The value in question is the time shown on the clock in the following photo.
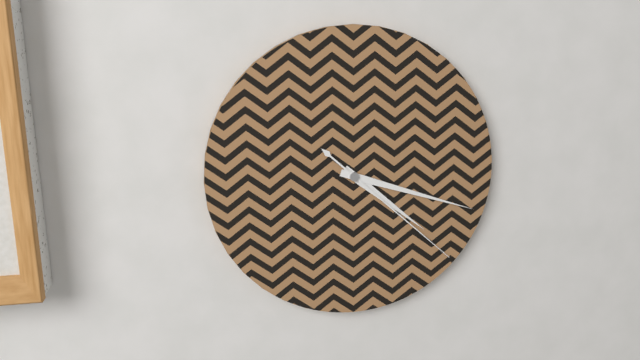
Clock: 4:18:22
